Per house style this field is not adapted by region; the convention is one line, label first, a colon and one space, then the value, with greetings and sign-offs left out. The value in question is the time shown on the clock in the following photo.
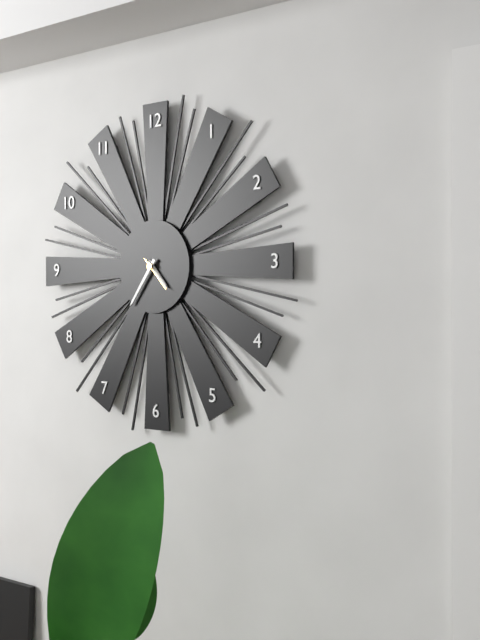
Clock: 4:36
